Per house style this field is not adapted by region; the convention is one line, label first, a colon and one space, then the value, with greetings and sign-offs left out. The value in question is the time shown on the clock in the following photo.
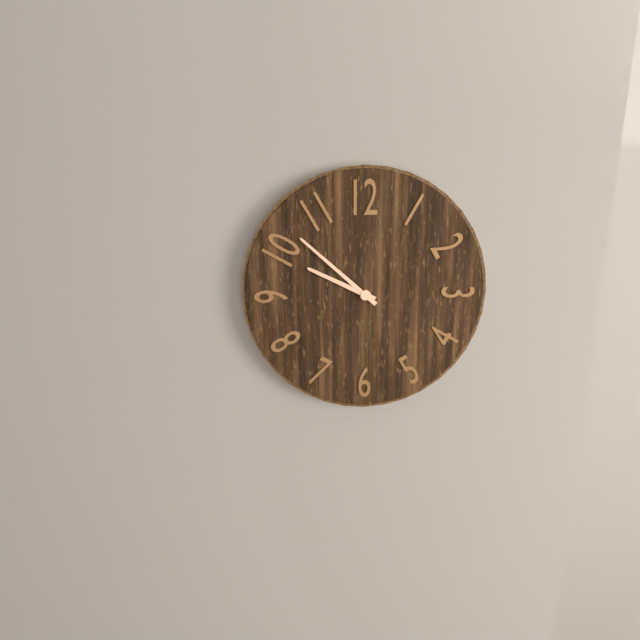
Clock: 9:52
